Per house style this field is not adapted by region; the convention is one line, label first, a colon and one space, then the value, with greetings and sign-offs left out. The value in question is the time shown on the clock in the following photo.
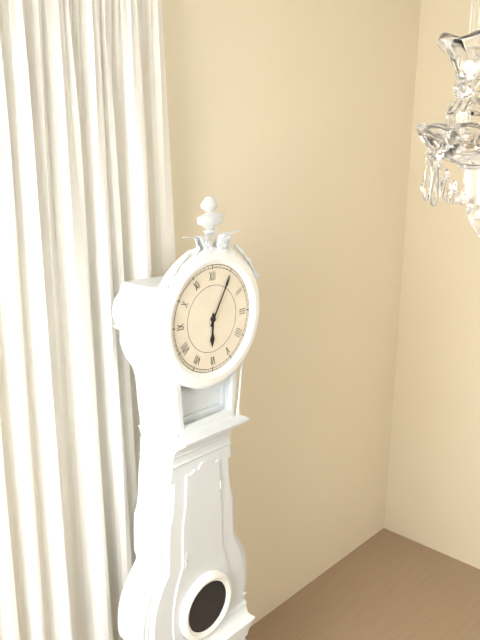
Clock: 6:05
